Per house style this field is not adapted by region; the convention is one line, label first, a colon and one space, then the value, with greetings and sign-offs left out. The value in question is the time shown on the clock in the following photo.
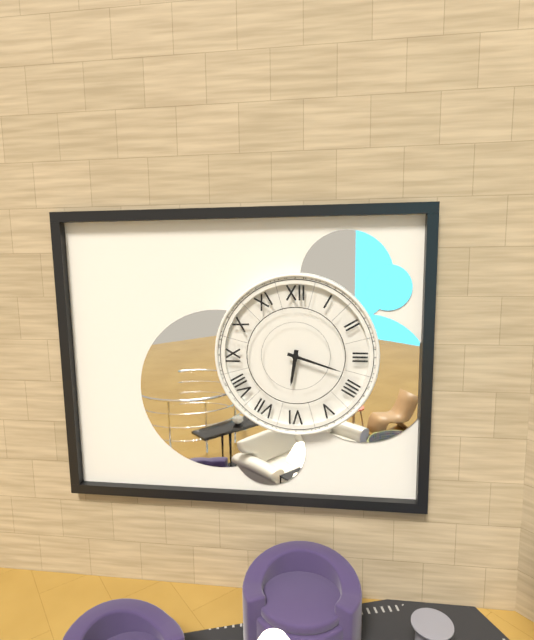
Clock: 6:18
